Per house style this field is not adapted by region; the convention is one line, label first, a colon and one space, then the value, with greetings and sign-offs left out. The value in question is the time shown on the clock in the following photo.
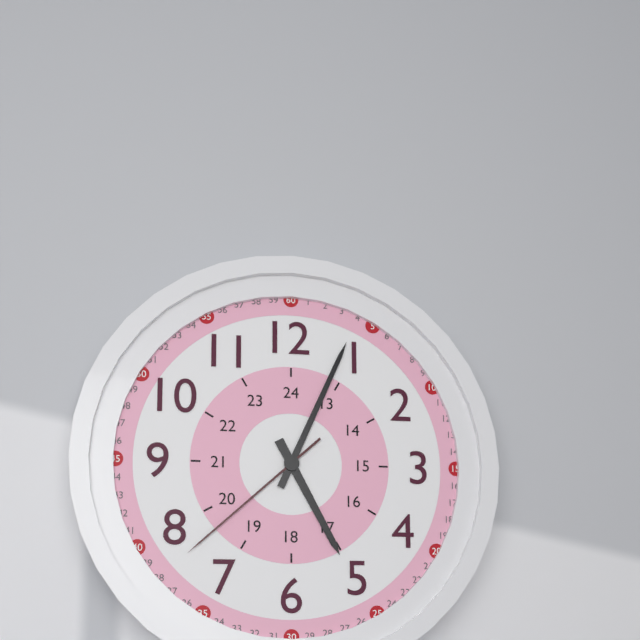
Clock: 5:04:38
